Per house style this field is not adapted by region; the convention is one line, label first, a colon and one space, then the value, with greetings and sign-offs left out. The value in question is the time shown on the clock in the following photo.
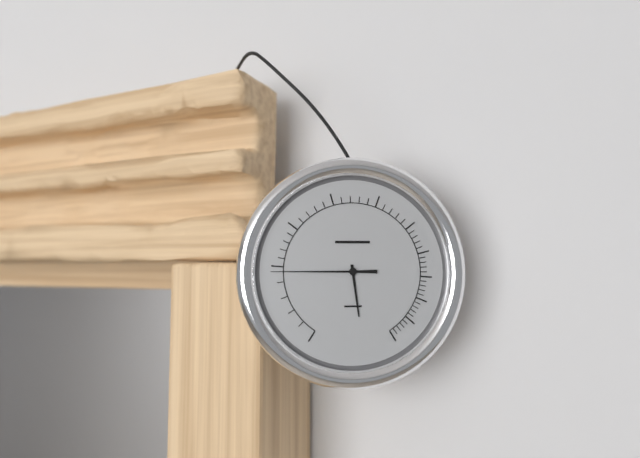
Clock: 5:45
